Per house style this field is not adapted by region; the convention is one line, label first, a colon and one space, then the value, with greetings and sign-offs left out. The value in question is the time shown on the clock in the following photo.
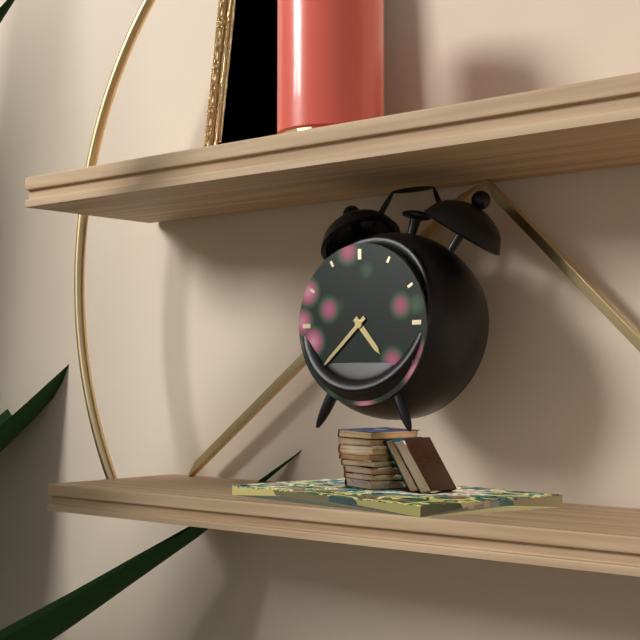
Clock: 4:38
